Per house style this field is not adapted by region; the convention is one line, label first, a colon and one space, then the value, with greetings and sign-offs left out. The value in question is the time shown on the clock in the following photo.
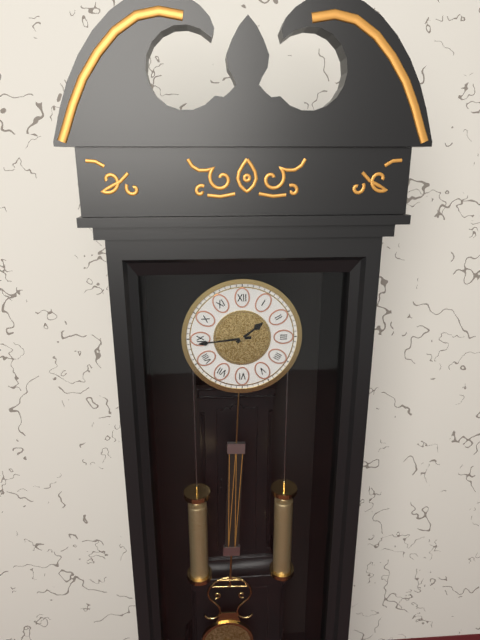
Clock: 1:44
